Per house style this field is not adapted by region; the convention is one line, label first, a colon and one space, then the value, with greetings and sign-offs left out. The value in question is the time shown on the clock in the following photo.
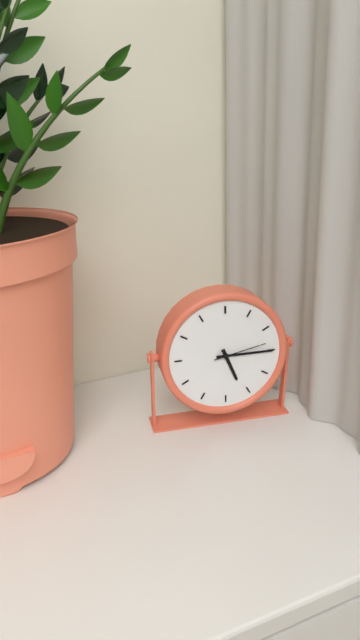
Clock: 5:15:13
